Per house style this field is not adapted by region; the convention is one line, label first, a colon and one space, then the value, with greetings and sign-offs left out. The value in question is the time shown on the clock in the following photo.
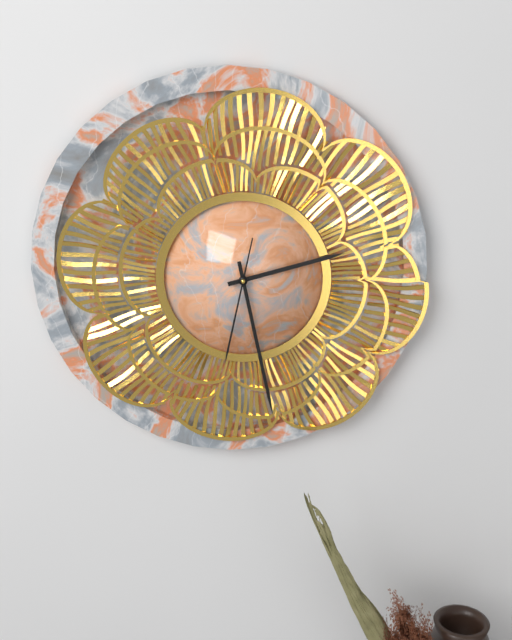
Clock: 2:28:32
